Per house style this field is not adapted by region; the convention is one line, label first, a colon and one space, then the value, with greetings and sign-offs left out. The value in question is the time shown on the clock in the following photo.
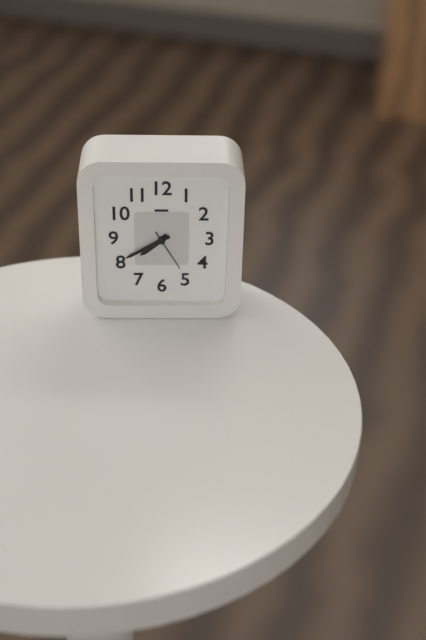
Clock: 7:40
